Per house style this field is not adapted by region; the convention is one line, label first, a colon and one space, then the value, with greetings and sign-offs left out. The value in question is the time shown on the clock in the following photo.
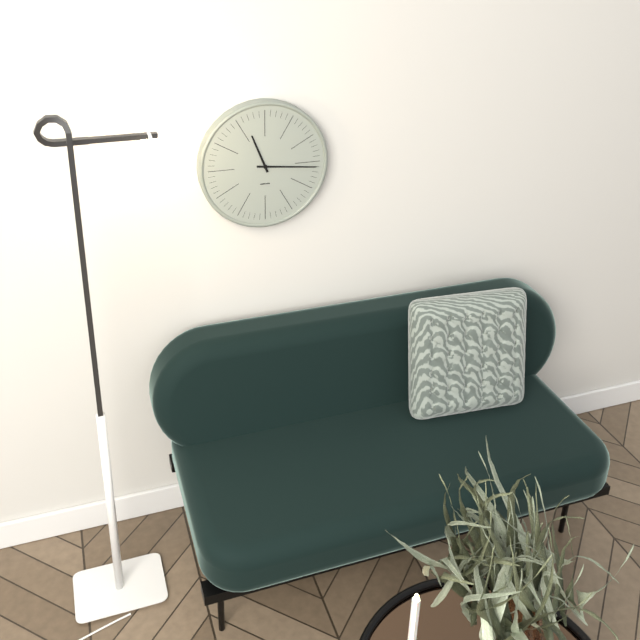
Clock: 11:16
